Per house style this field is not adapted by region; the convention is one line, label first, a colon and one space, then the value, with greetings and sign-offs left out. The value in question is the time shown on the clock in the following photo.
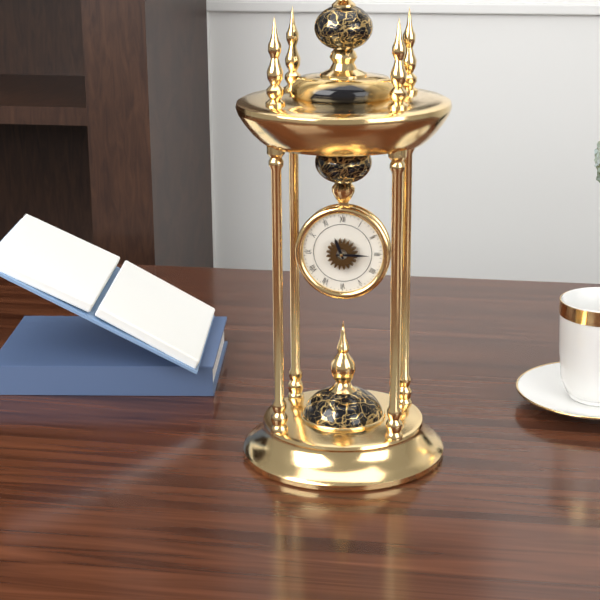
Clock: 11:15
